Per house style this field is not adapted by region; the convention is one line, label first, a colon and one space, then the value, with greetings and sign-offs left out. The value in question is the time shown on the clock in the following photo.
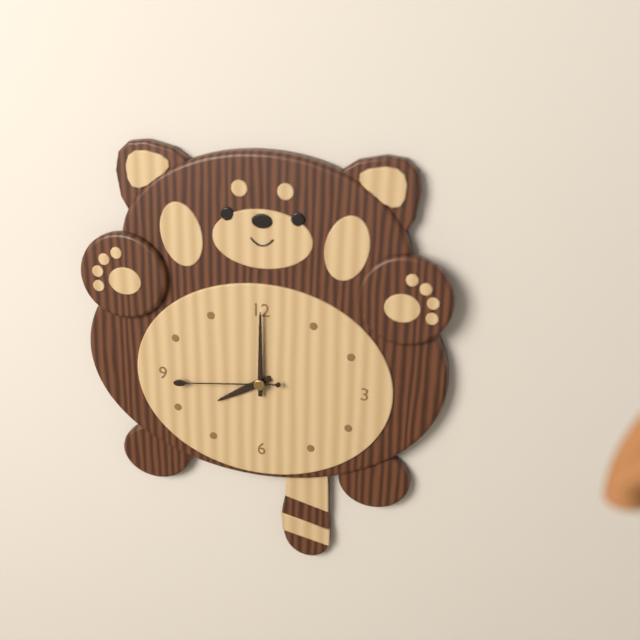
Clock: 8:00:44
